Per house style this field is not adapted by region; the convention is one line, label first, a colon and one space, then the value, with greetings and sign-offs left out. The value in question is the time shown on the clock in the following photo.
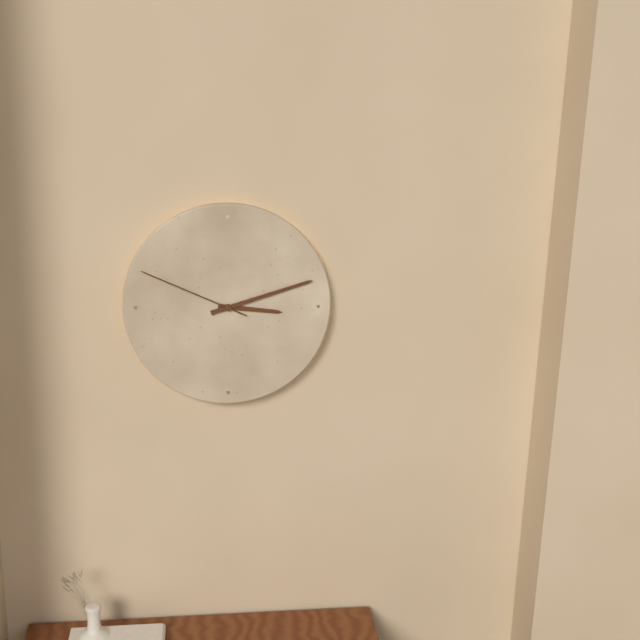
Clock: 3:12:49
